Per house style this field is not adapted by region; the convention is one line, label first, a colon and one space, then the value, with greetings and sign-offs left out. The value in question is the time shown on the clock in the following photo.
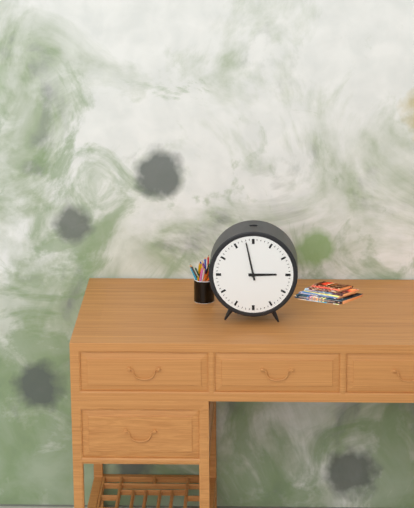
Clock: 2:58
